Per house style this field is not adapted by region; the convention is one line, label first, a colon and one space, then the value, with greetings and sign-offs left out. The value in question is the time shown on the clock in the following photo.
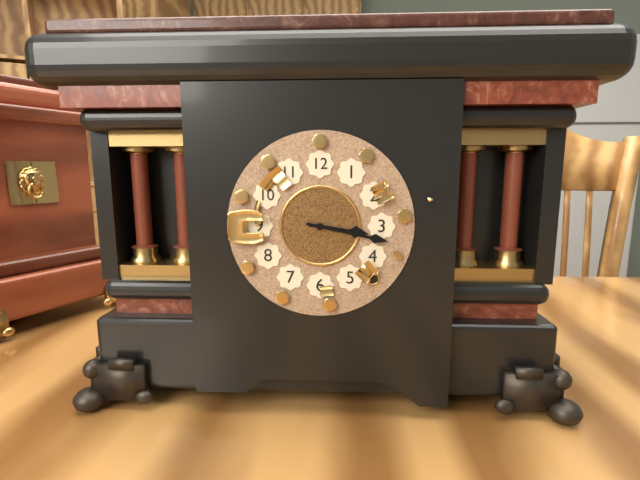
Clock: 3:17
